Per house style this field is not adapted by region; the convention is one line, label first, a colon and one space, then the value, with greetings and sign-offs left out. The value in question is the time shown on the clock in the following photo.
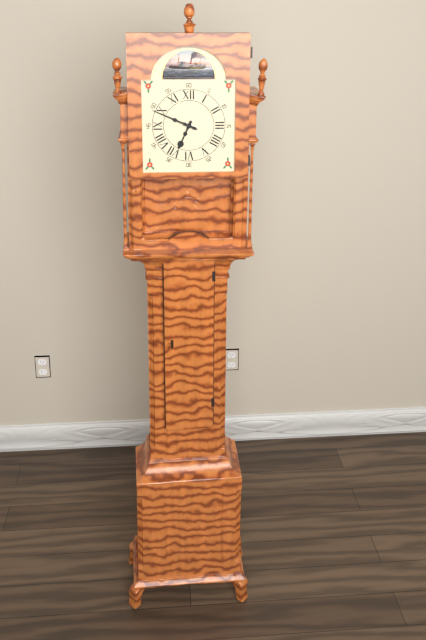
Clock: 6:49
